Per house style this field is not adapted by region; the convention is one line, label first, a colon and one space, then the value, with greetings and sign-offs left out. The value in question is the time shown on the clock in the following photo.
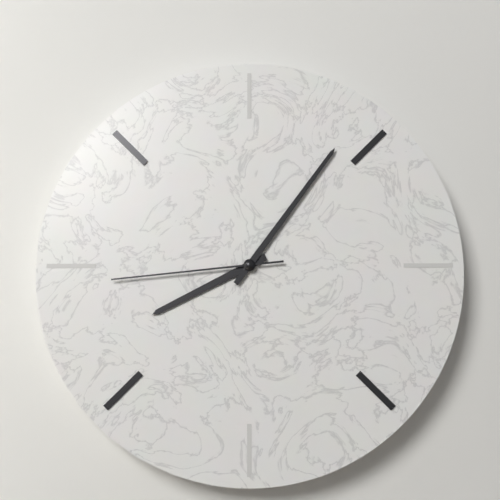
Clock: 8:06:44
